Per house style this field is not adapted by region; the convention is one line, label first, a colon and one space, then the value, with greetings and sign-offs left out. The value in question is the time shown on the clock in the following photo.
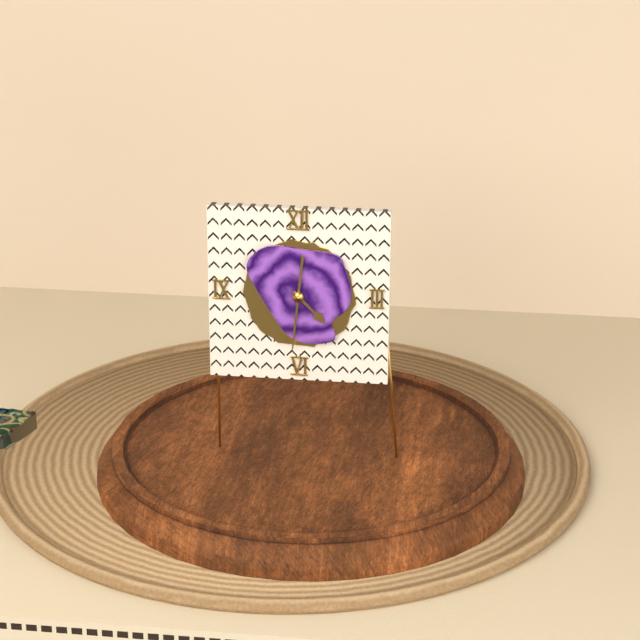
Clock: 4:31
